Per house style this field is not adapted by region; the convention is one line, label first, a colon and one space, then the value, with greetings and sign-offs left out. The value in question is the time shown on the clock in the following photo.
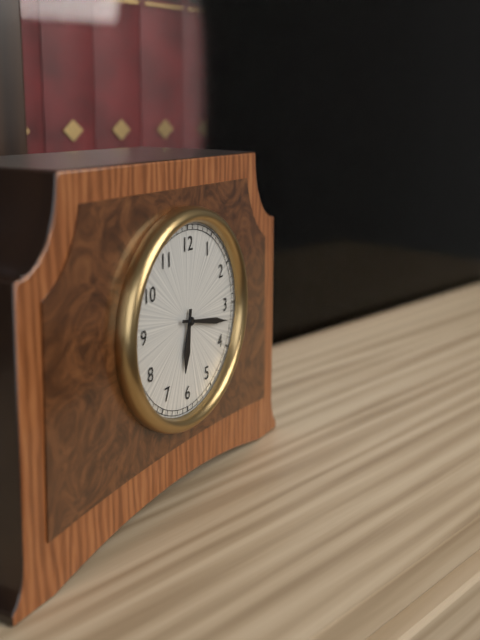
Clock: 6:17
